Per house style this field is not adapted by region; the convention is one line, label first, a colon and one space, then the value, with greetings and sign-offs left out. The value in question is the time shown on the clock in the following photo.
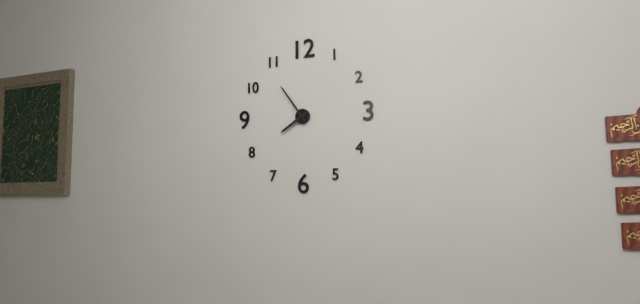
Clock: 7:54
